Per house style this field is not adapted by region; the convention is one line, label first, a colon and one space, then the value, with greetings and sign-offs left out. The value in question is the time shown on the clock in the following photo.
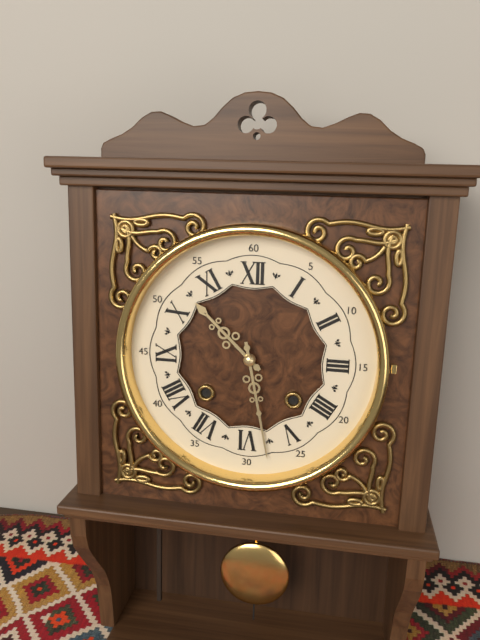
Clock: 10:28
